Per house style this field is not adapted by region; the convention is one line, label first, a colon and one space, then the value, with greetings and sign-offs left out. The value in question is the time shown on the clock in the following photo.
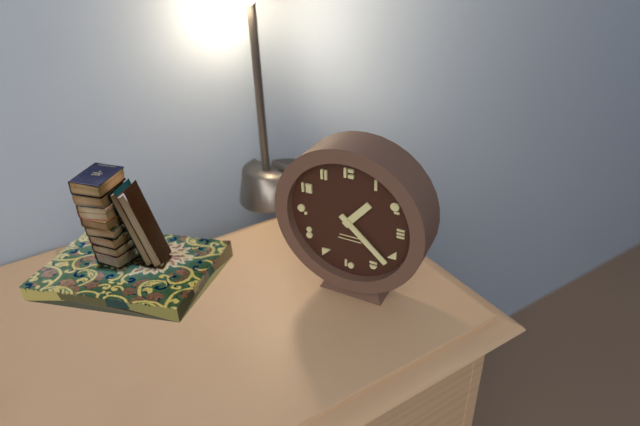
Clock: 1:22
